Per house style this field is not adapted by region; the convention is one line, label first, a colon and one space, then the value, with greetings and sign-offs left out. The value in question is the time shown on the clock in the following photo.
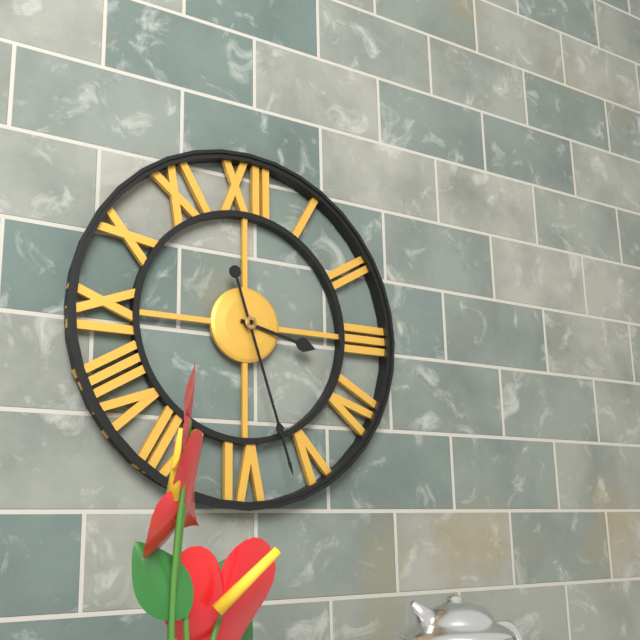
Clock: 3:27
